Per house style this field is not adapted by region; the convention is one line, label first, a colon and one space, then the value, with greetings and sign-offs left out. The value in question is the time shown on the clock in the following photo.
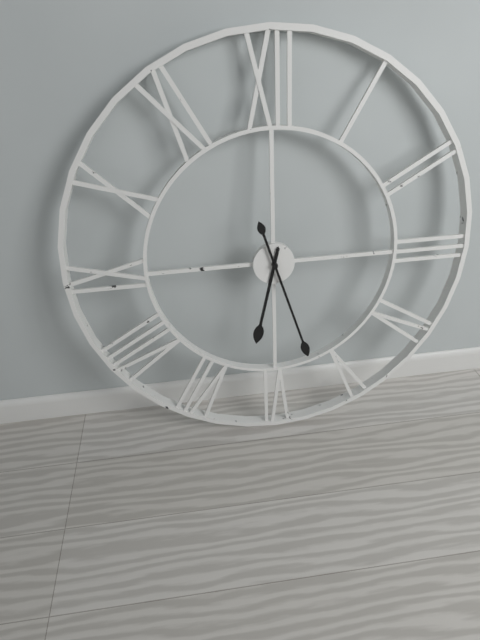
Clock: 6:27
